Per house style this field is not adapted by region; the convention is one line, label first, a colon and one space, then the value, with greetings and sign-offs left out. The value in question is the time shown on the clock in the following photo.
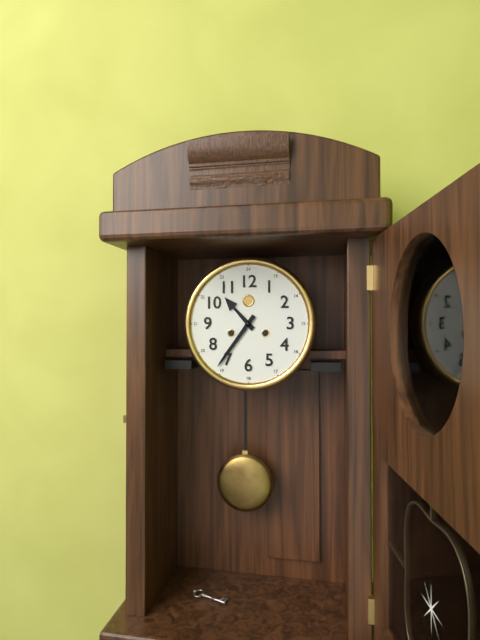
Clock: 10:36
